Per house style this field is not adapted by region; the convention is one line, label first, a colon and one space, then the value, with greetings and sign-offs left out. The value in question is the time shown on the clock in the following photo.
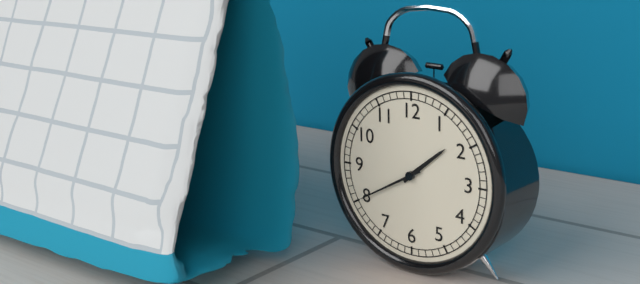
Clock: 1:40
